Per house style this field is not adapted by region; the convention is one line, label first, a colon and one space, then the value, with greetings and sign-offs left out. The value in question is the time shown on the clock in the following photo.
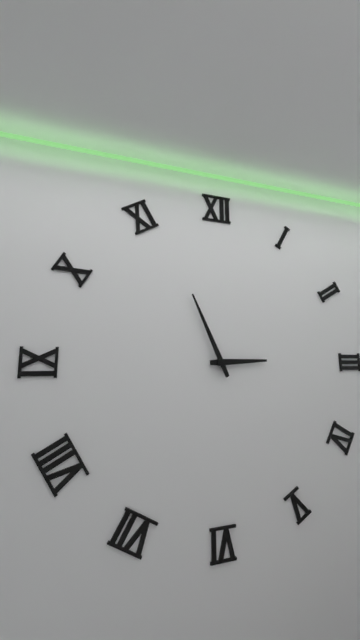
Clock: 2:56
